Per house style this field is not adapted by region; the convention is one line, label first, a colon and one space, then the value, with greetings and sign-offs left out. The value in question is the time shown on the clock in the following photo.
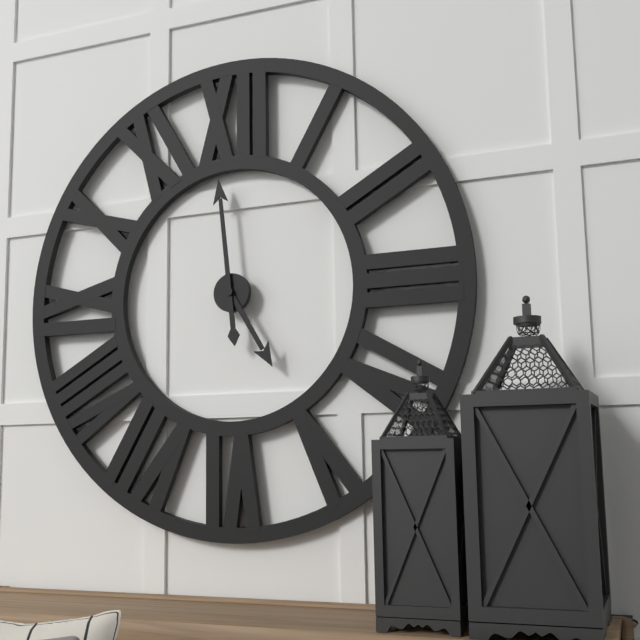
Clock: 4:59
